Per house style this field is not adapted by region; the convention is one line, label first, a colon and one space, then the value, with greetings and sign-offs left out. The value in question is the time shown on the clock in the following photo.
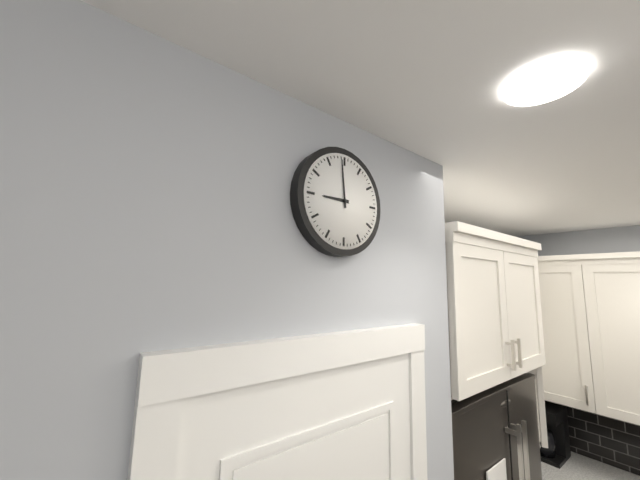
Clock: 8:59
